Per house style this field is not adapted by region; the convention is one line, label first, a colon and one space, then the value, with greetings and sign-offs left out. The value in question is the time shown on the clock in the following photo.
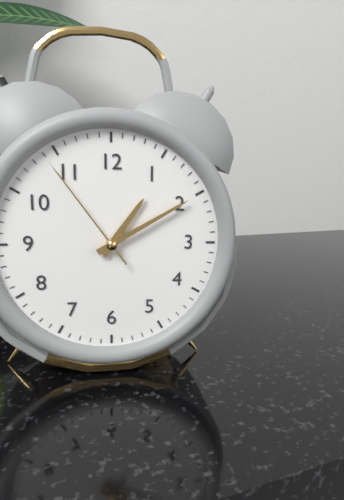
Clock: 1:10:54
